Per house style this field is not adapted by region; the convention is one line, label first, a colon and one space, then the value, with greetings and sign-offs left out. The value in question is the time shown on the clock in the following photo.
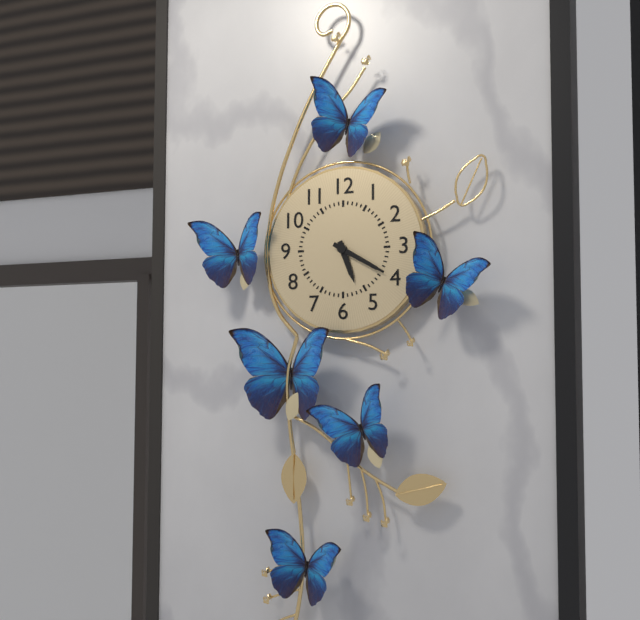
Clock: 5:20
